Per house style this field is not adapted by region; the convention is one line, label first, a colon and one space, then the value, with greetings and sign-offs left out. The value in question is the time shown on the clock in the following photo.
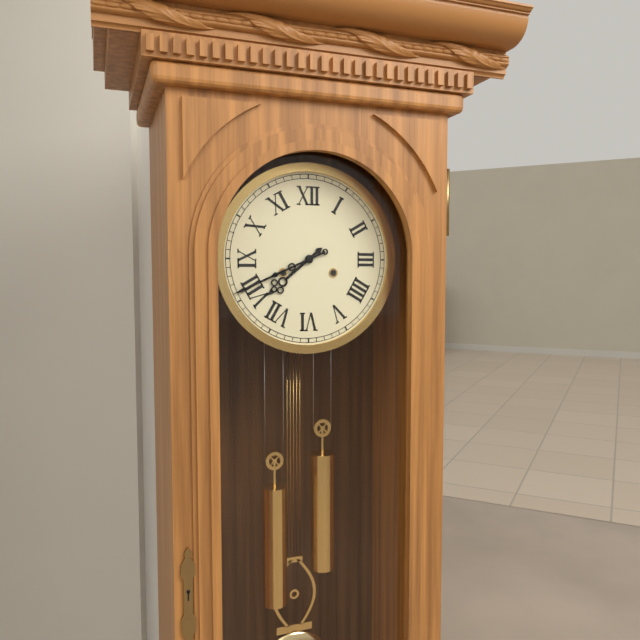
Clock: 7:41
